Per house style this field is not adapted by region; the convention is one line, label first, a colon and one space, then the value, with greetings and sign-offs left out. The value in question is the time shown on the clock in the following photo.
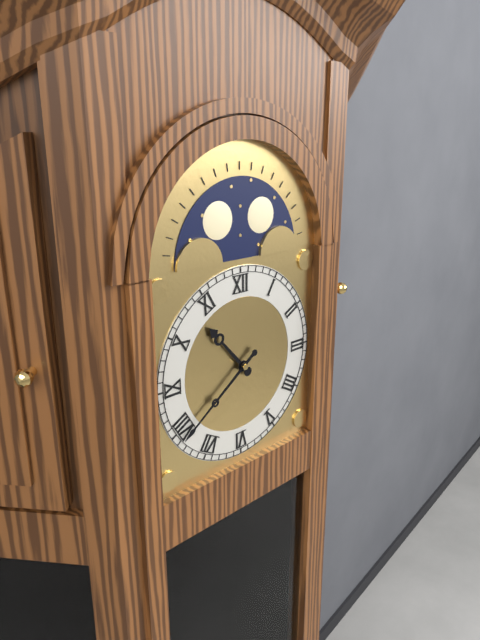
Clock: 10:39
